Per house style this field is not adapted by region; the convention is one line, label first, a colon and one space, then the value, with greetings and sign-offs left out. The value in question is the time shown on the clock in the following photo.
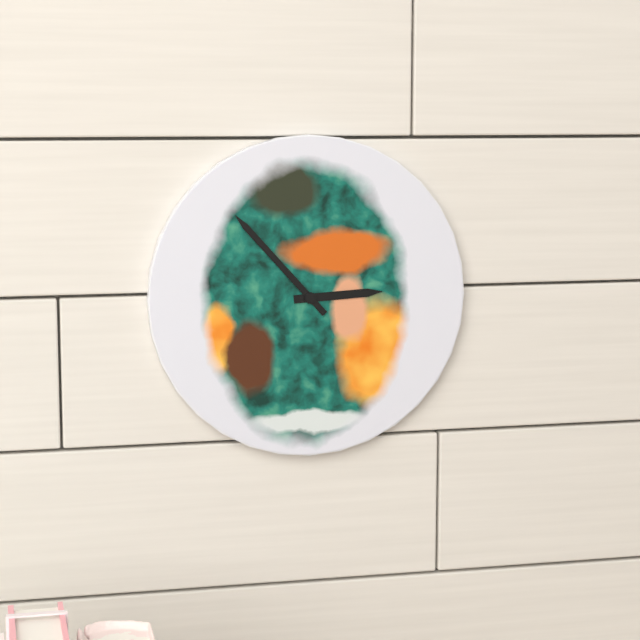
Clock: 2:53
